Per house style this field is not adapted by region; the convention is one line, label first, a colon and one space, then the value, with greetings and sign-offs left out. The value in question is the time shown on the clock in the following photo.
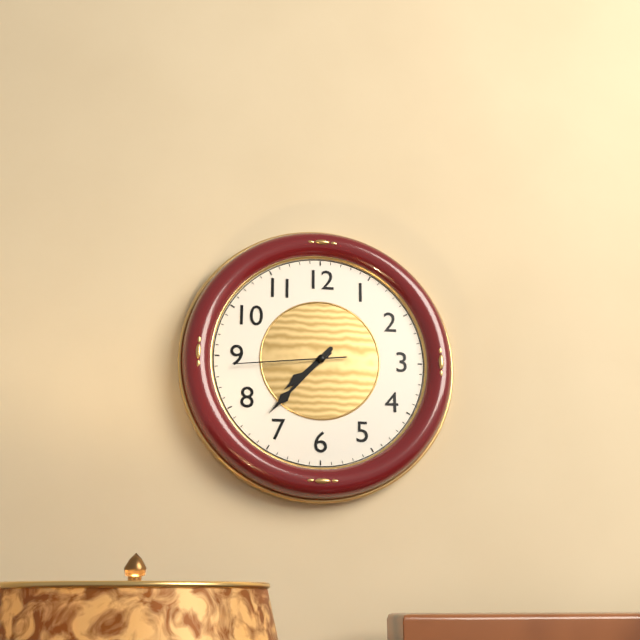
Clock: 7:37:44
